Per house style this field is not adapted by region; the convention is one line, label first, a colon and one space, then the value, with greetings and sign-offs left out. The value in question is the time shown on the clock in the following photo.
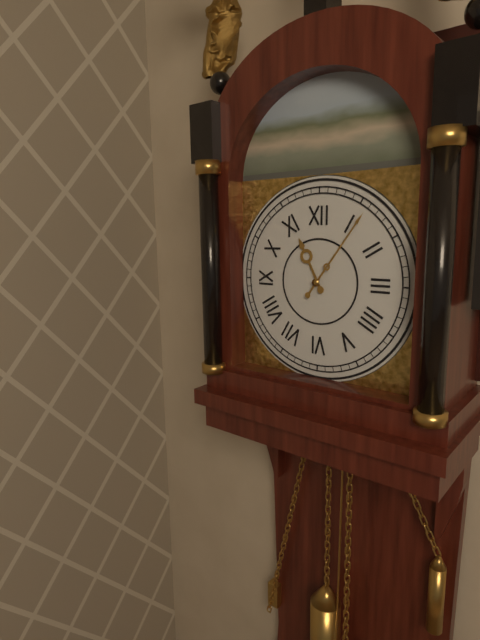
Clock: 11:06
